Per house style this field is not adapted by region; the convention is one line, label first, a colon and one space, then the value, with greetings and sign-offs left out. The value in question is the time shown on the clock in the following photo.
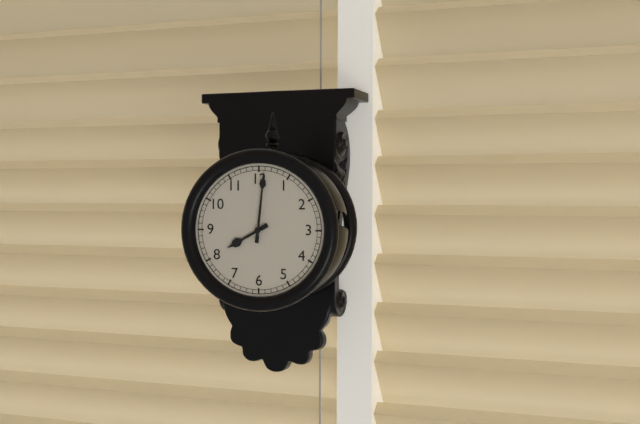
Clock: 8:01
